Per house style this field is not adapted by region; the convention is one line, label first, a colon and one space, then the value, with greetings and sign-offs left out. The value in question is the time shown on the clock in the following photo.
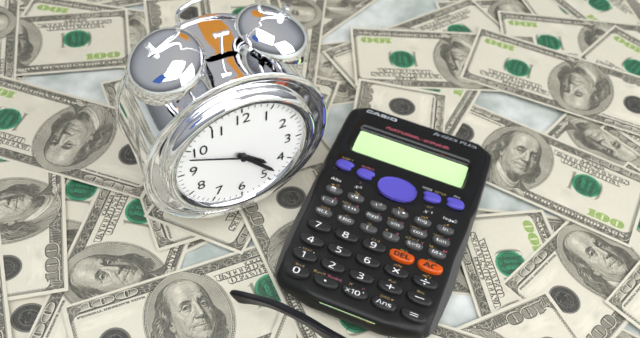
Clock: 4:23:49
